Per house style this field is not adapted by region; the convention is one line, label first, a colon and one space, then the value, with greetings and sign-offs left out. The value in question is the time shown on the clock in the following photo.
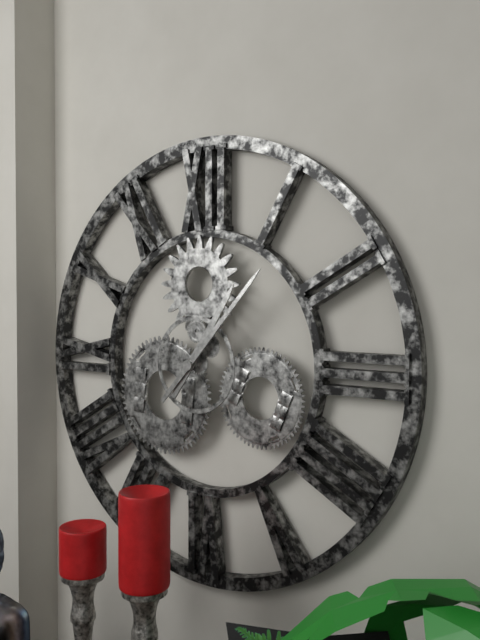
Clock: 1:07
